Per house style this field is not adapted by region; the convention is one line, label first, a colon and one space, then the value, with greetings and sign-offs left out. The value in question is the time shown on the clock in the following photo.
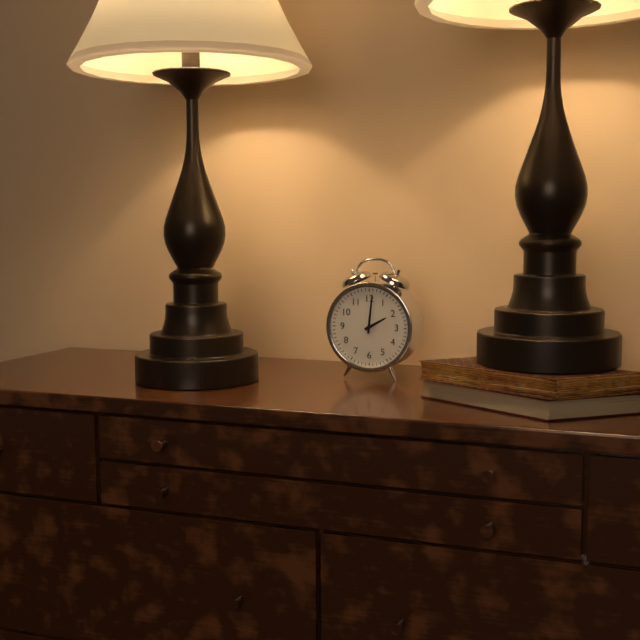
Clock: 2:01
